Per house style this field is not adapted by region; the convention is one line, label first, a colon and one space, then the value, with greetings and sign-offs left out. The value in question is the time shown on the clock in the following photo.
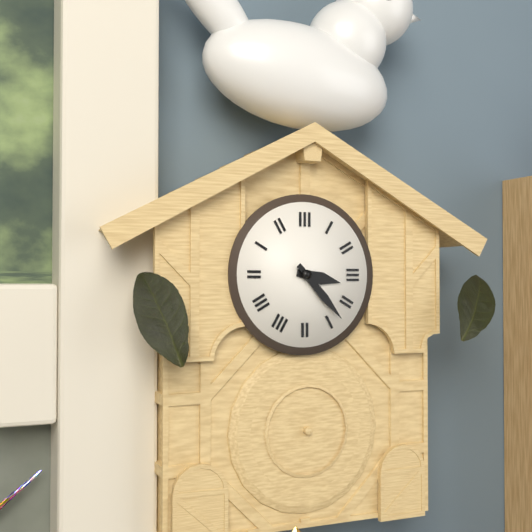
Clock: 3:23
